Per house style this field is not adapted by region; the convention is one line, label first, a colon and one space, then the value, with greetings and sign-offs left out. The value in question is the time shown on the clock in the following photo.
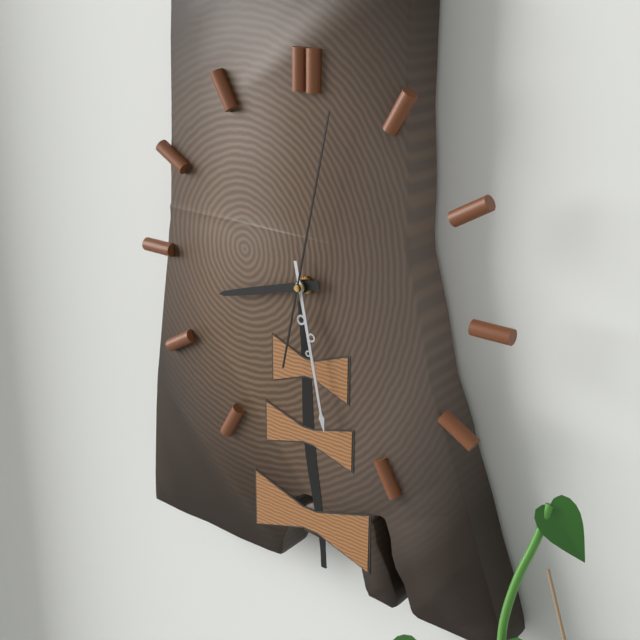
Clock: 8:28:02
